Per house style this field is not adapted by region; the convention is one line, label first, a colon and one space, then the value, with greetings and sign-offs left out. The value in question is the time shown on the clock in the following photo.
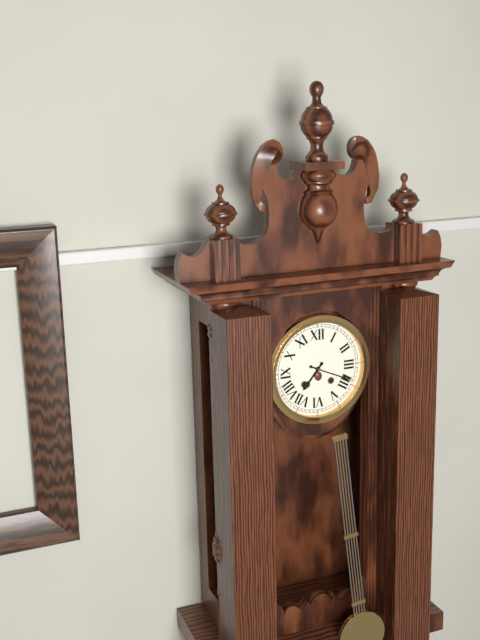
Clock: 7:19
